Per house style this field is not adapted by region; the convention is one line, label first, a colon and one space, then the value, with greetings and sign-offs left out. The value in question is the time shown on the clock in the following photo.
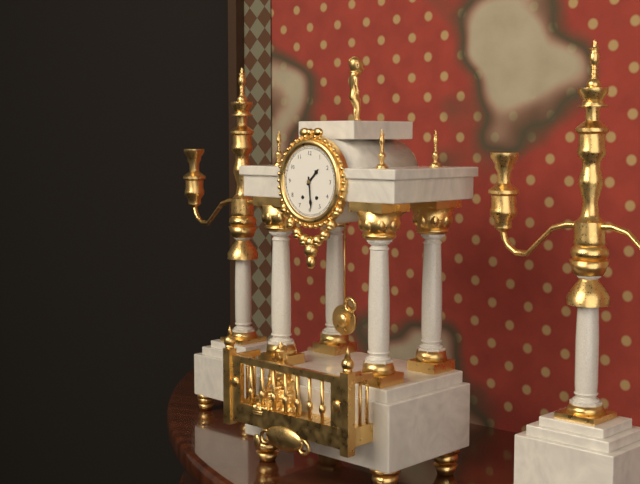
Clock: 1:29
